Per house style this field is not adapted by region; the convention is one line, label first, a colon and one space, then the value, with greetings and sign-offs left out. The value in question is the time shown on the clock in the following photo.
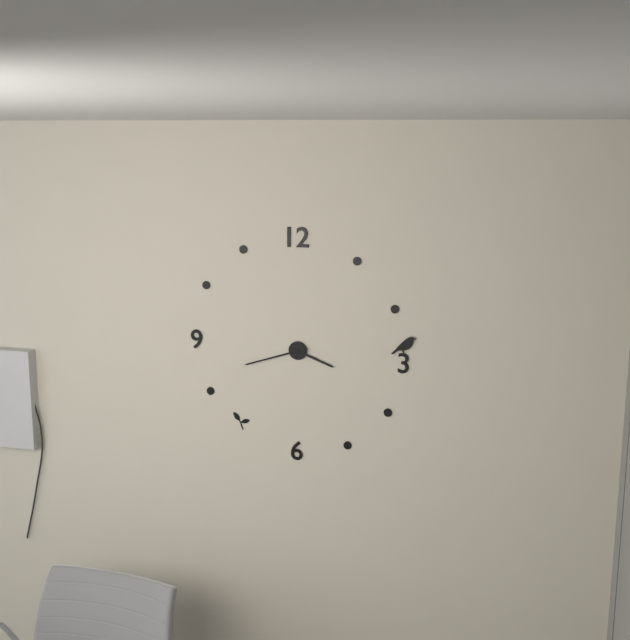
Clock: 3:42
